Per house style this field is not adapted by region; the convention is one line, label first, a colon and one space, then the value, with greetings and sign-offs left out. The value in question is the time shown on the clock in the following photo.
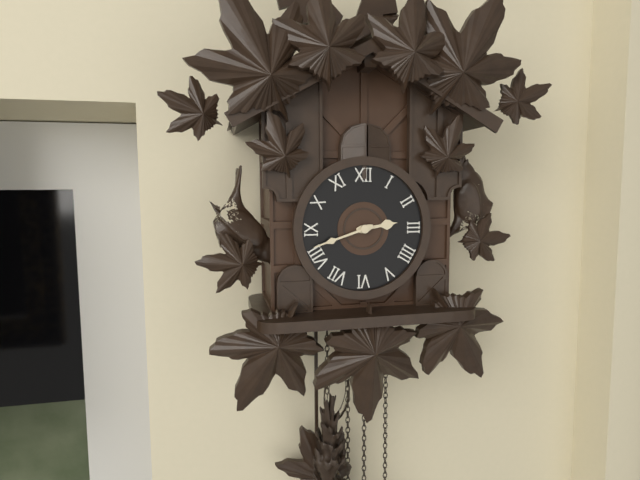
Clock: 2:42
